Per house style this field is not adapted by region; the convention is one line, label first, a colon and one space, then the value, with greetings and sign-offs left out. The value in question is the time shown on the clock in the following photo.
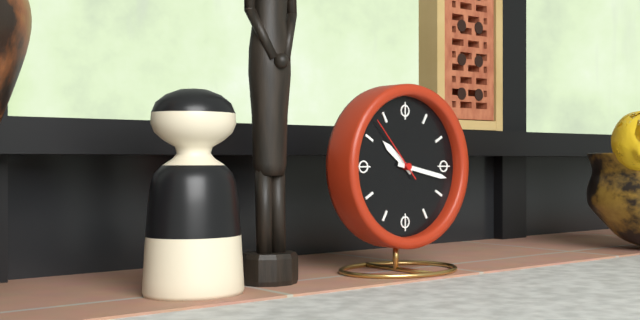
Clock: 10:17:53
